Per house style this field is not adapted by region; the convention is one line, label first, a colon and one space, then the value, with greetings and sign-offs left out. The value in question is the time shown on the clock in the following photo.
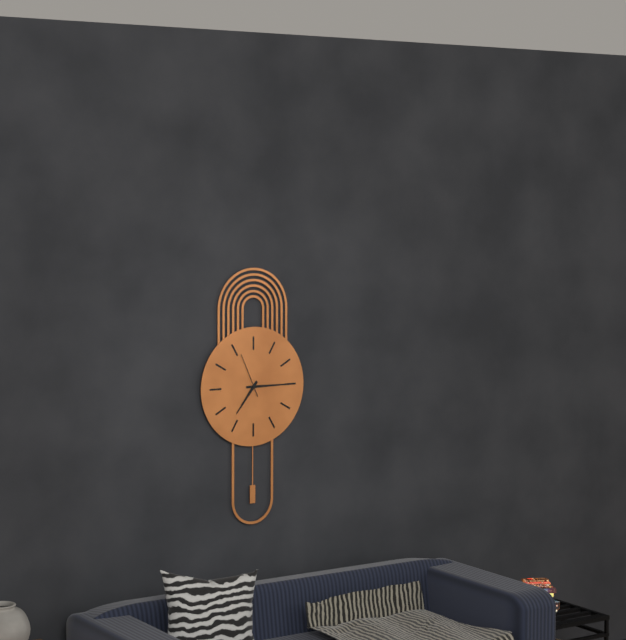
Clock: 7:15
